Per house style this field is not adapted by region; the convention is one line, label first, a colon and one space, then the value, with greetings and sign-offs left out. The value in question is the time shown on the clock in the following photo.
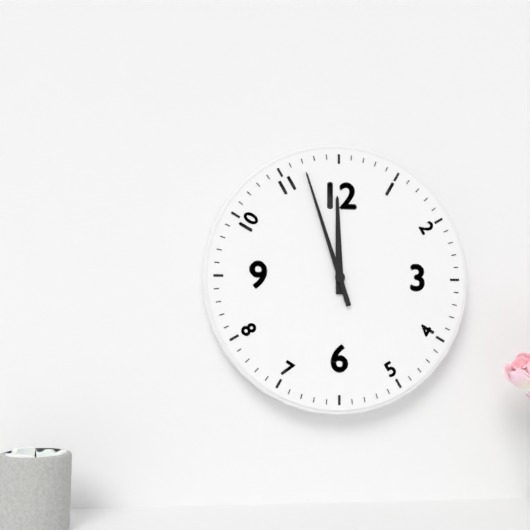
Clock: 11:57
